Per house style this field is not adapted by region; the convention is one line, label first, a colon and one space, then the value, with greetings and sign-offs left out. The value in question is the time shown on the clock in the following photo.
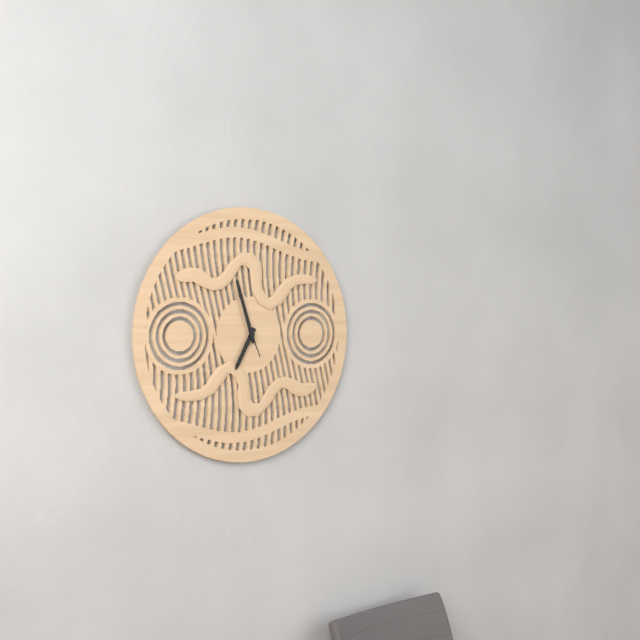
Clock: 6:57
